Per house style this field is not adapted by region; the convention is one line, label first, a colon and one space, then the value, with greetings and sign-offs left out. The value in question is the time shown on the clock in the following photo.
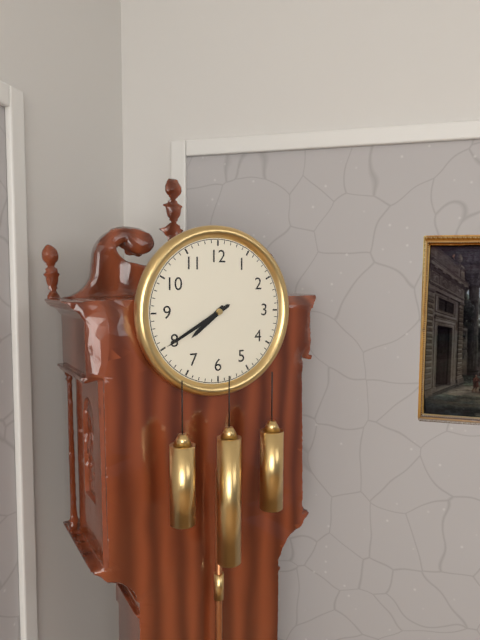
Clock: 7:40
